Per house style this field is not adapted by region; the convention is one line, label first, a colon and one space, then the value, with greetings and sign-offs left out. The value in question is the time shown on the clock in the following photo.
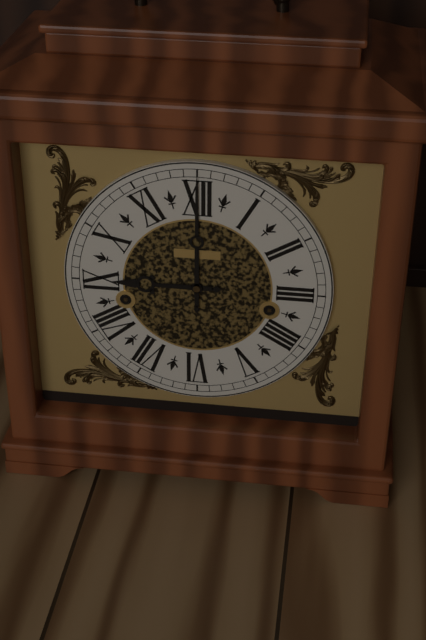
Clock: 9:00
